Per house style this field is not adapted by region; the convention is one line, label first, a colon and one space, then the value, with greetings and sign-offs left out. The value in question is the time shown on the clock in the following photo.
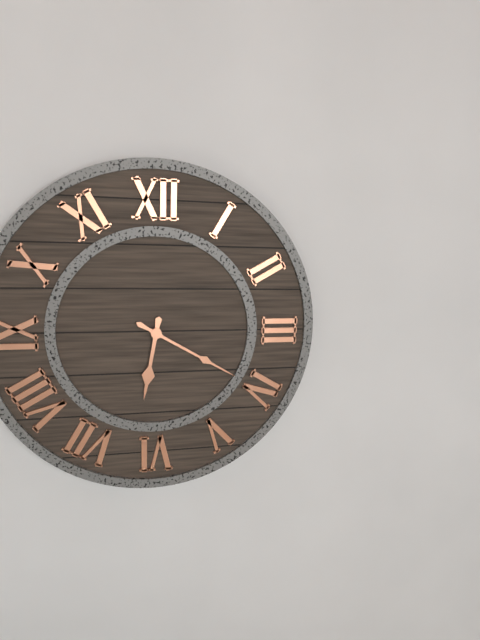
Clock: 6:20
